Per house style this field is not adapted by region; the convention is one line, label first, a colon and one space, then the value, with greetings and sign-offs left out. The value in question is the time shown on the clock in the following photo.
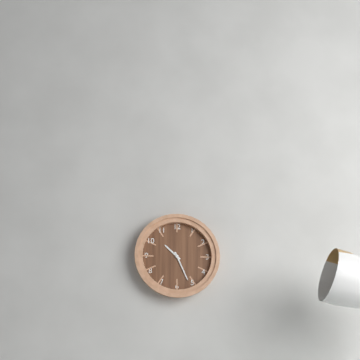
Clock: 10:26
